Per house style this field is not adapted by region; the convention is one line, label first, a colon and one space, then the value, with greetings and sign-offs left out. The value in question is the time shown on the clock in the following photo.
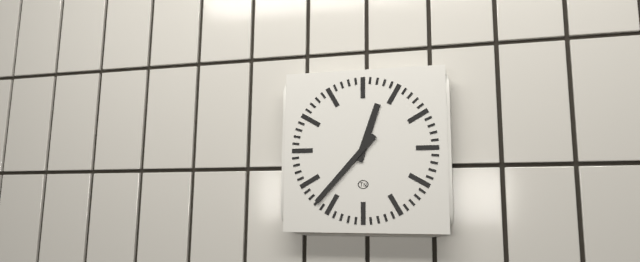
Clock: 12:37
